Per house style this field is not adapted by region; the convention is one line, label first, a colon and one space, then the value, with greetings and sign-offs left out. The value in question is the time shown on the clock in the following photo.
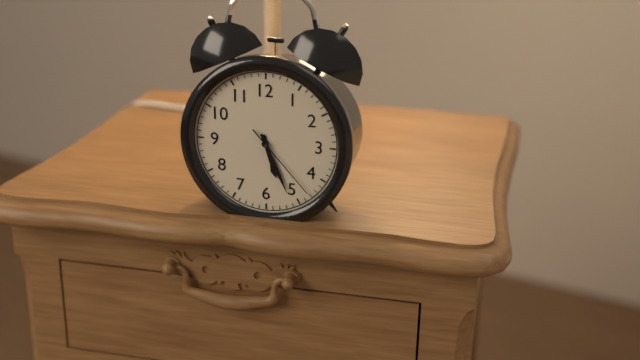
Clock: 5:26:23
